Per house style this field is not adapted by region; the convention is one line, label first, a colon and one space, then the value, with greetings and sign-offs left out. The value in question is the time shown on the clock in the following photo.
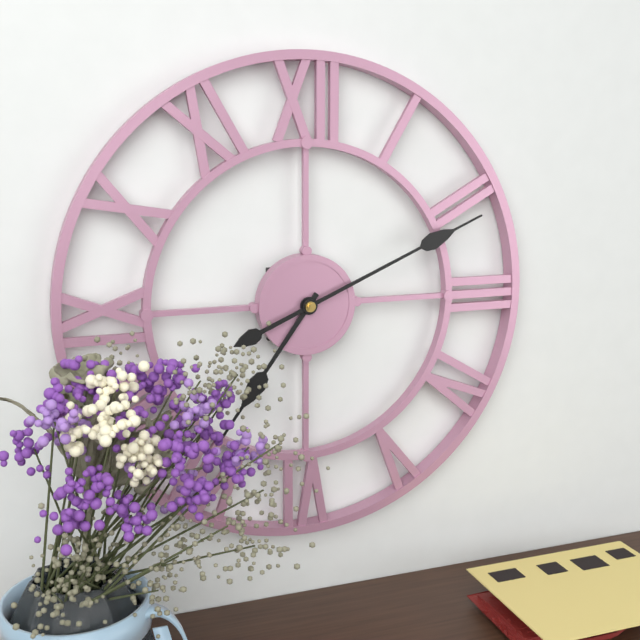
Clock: 7:11
